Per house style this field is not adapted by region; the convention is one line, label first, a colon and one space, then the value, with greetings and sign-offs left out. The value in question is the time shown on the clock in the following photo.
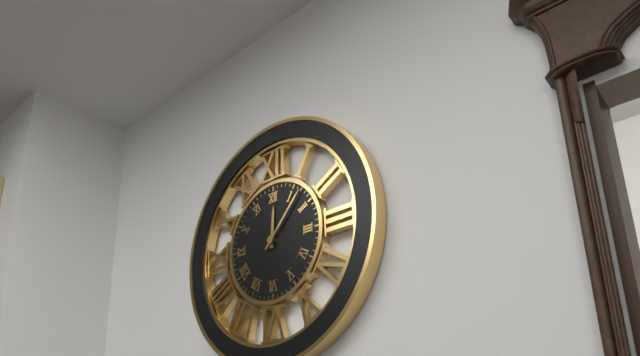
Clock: 12:07
